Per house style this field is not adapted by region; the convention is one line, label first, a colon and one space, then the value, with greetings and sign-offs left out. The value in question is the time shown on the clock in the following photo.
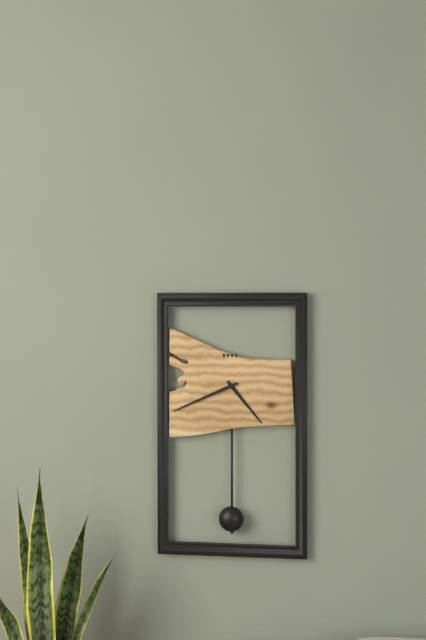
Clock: 4:41
